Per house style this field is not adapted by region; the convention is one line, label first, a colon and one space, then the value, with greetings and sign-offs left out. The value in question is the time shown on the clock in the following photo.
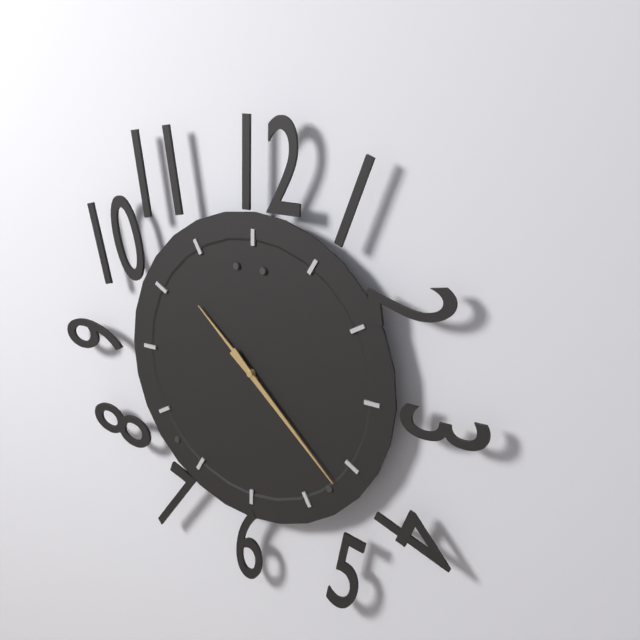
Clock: 10:22
